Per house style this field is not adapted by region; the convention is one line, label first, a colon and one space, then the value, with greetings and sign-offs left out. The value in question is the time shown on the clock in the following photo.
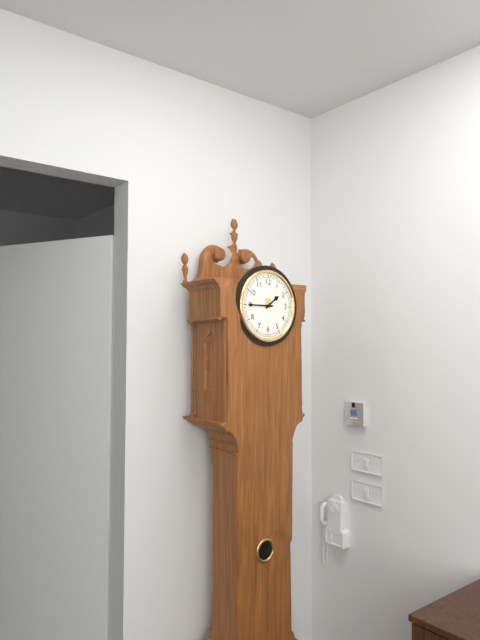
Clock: 1:45
